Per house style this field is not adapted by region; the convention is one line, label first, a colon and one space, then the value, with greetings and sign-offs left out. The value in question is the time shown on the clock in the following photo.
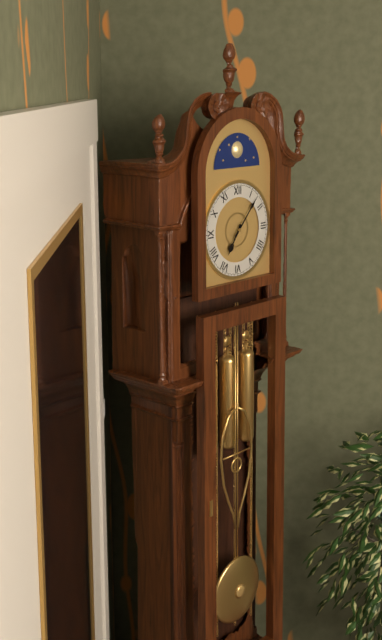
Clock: 7:07
